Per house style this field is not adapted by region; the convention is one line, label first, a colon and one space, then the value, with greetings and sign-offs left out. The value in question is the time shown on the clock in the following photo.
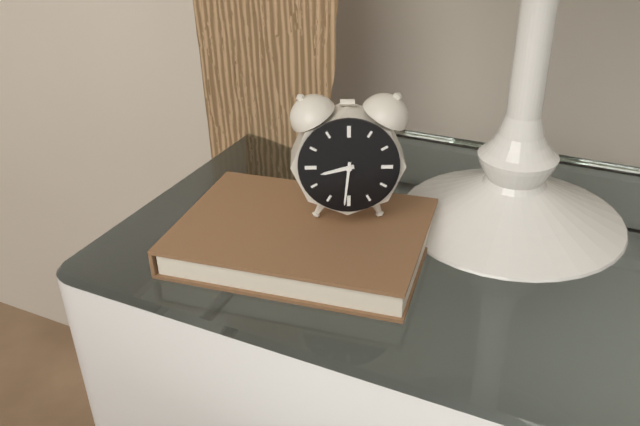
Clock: 8:31
